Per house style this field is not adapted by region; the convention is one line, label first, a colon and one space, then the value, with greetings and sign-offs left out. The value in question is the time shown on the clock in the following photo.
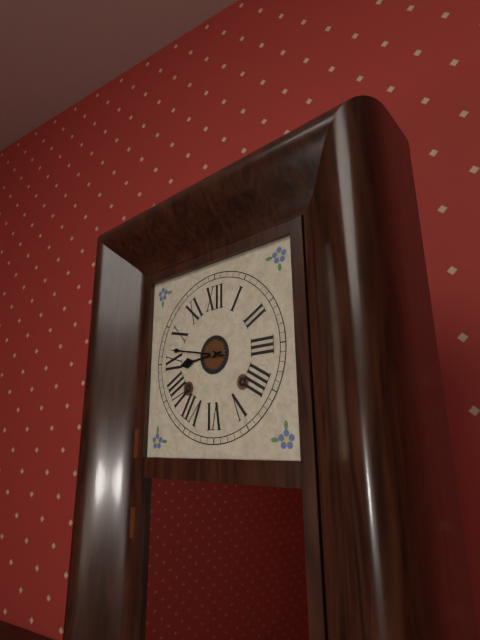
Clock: 8:47
